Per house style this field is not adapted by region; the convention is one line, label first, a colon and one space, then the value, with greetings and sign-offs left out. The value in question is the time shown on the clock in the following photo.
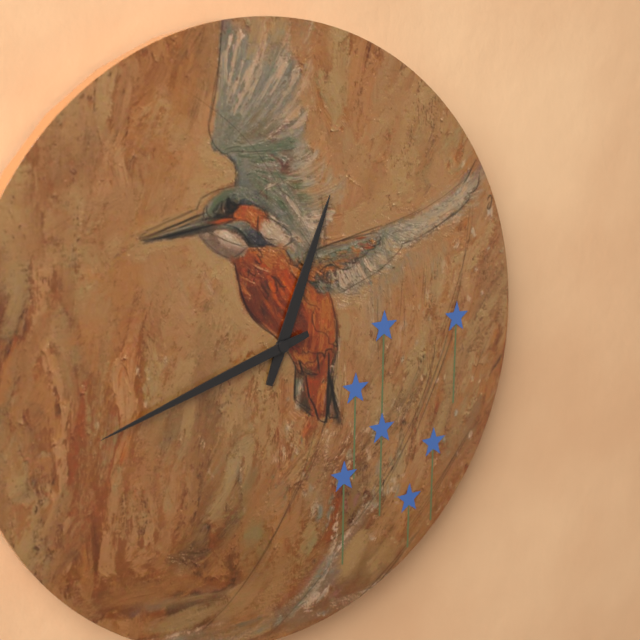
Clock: 12:42
